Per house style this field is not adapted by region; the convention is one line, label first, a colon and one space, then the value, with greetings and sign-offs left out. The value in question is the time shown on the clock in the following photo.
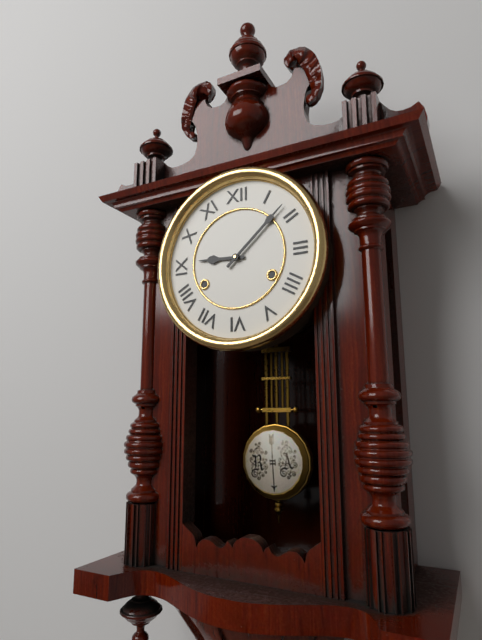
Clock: 9:08
